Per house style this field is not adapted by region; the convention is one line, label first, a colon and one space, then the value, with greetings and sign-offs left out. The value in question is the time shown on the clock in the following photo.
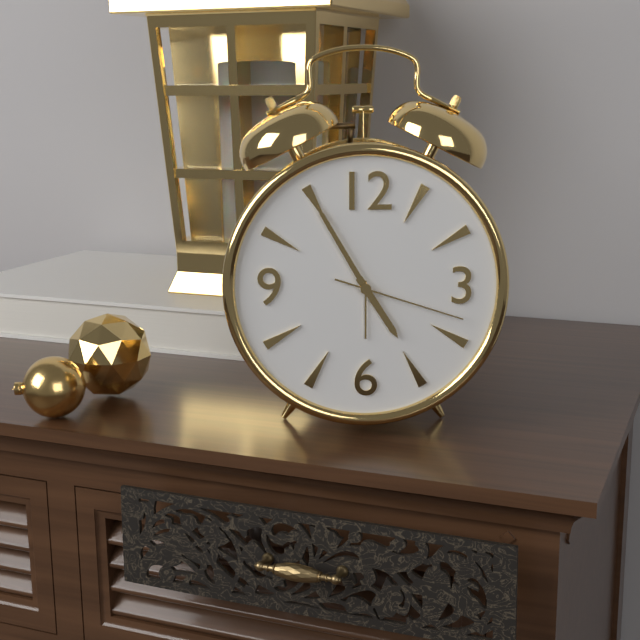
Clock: 4:55:18
